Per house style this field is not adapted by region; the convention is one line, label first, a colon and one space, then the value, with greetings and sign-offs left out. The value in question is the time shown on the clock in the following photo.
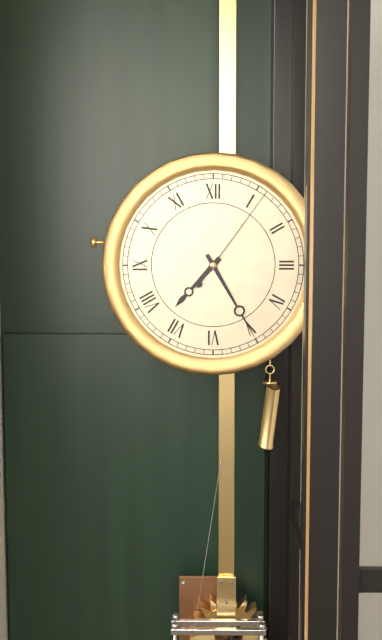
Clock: 7:25:06
